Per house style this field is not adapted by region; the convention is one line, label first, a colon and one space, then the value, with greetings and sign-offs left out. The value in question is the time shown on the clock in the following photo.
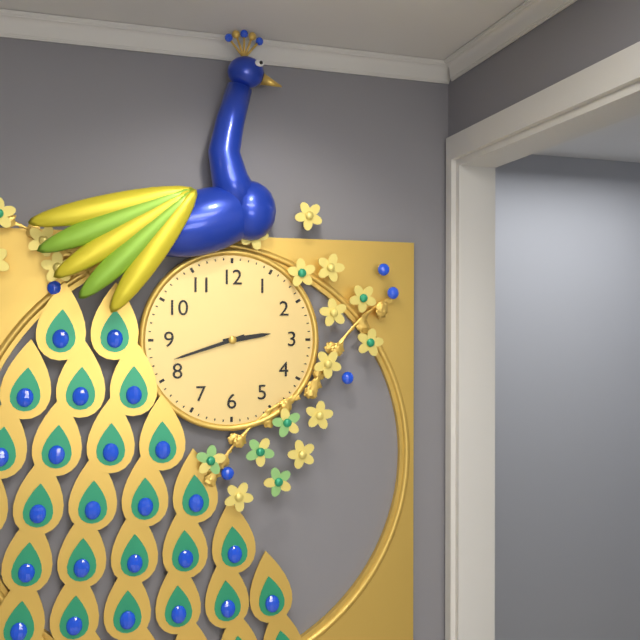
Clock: 2:42
